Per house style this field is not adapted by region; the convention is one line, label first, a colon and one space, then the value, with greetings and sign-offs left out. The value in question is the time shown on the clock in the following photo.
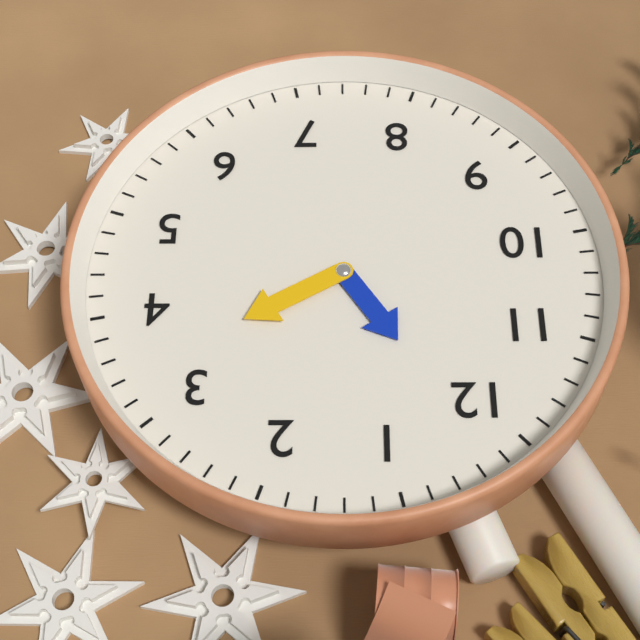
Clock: 12:17
